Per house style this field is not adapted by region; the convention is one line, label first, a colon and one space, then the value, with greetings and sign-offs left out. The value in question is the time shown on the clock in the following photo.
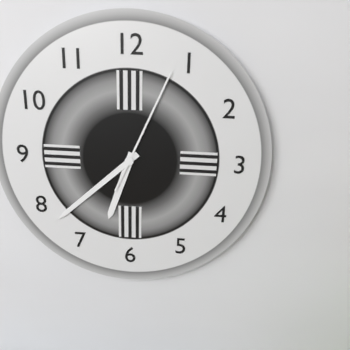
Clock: 6:38:04
